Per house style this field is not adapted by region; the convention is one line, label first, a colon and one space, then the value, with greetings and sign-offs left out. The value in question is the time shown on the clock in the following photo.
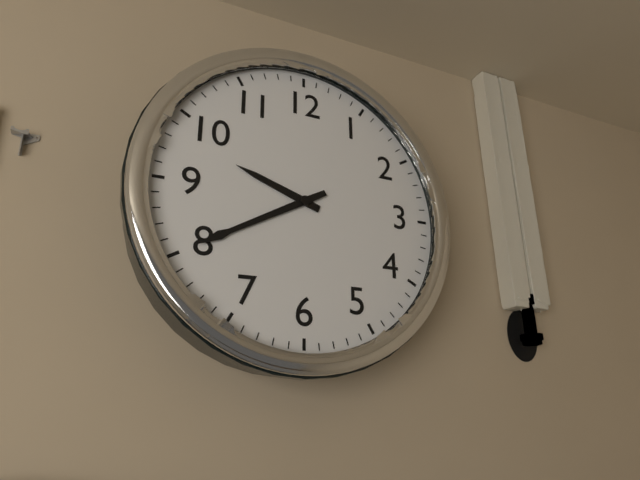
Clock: 9:40
